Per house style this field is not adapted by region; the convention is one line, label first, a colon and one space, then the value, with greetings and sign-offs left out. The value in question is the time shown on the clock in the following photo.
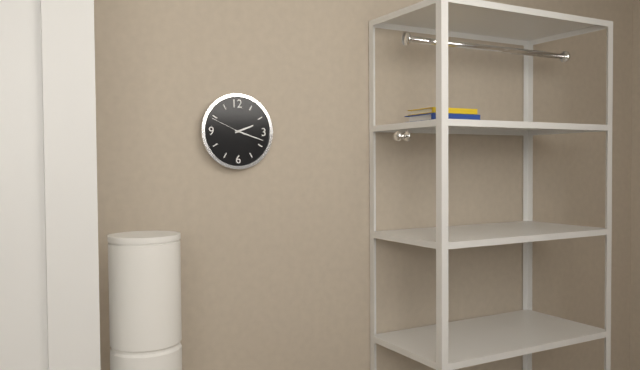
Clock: 2:18
